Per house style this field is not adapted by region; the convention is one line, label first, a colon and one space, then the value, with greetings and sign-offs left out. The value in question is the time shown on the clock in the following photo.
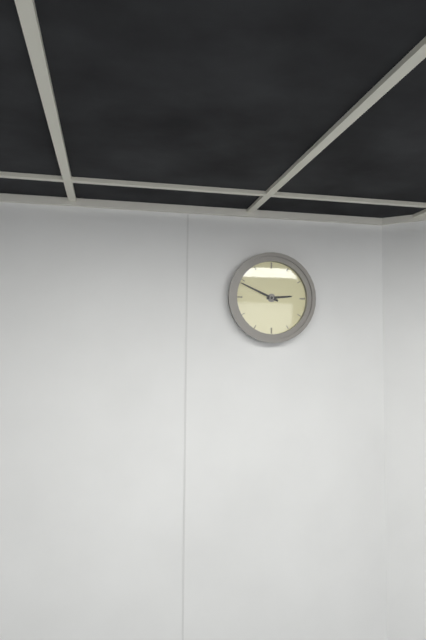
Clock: 2:49
